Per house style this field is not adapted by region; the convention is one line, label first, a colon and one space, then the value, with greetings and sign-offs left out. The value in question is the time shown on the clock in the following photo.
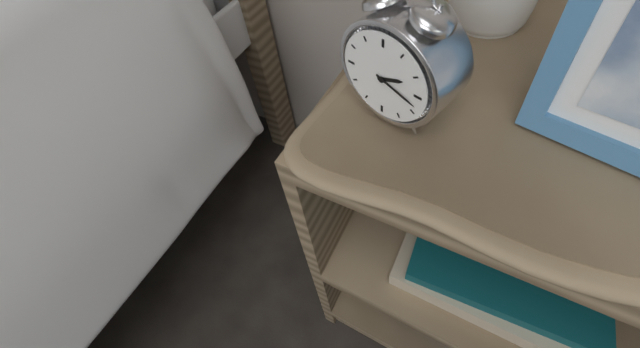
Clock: 2:18
